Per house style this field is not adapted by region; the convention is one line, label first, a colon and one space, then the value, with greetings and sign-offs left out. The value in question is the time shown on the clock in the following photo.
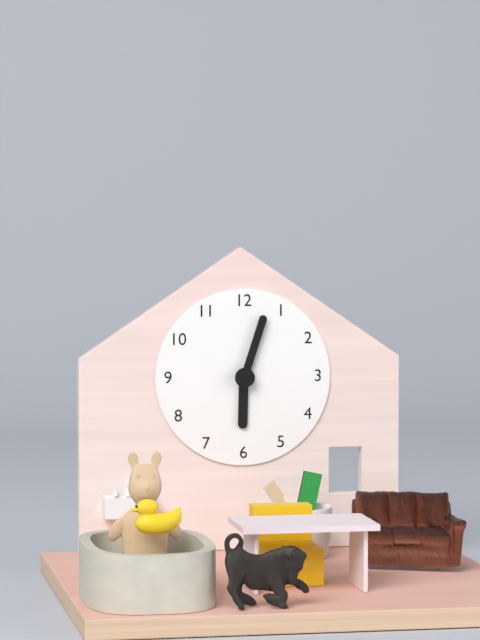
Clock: 6:03
